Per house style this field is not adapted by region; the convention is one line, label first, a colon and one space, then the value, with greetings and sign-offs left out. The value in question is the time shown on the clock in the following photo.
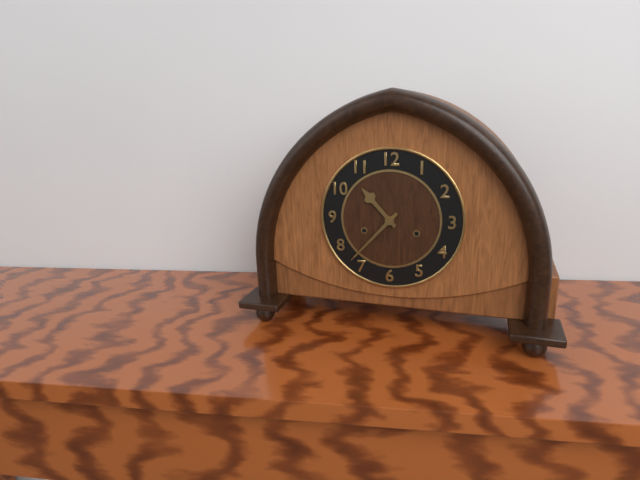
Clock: 10:37
